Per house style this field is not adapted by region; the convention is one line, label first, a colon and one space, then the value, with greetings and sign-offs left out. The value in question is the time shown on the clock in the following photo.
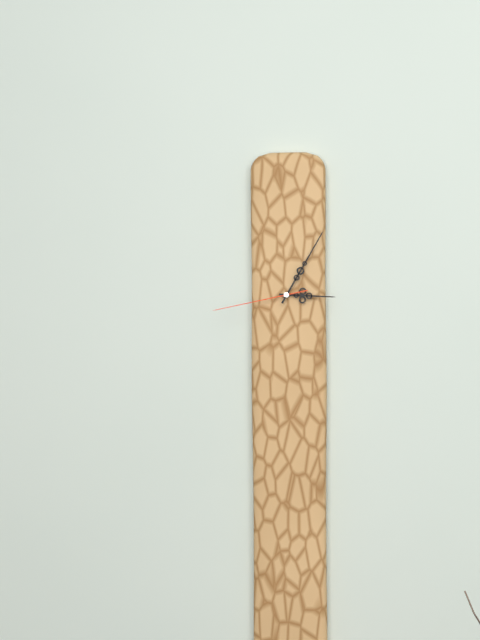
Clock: 3:05:43
